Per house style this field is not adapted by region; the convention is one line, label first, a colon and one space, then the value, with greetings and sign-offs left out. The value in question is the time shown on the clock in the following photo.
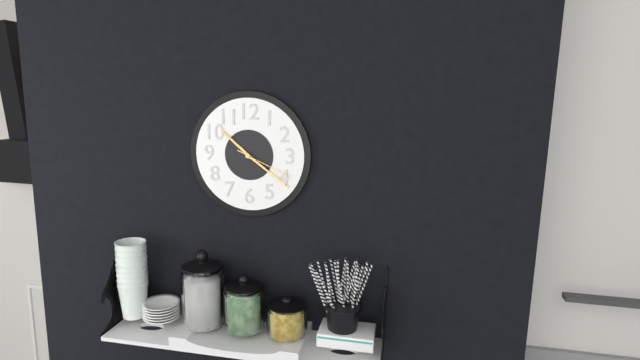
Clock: 10:21:19
